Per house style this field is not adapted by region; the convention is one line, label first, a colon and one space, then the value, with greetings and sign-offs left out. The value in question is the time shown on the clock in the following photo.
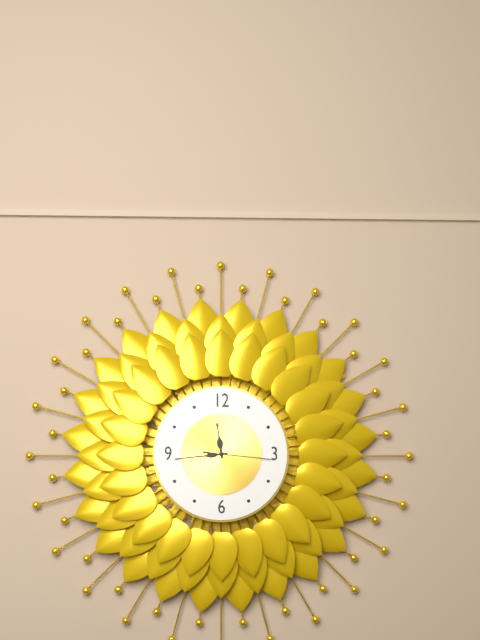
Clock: 11:44:16
